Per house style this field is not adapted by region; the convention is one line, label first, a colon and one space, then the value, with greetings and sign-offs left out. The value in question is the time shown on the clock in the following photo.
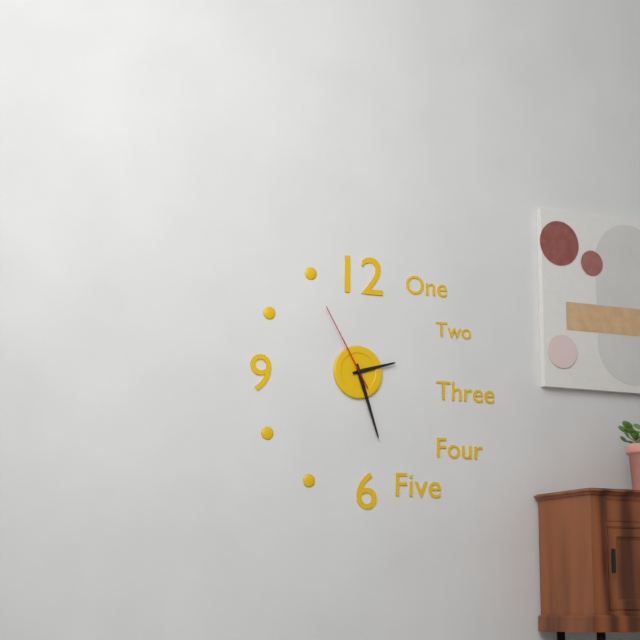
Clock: 2:27:55
